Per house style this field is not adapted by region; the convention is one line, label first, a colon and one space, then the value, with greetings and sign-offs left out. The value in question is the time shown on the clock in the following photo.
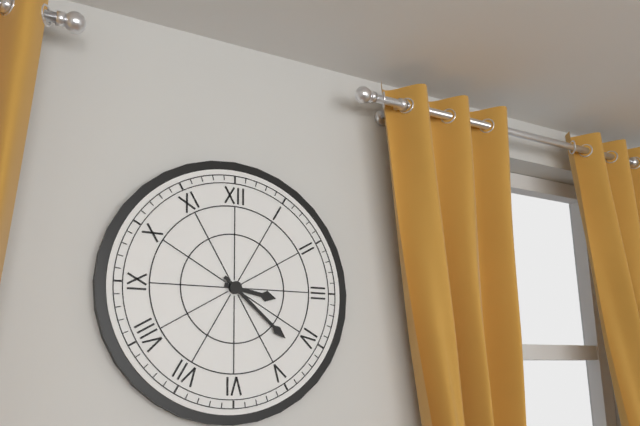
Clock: 3:22
